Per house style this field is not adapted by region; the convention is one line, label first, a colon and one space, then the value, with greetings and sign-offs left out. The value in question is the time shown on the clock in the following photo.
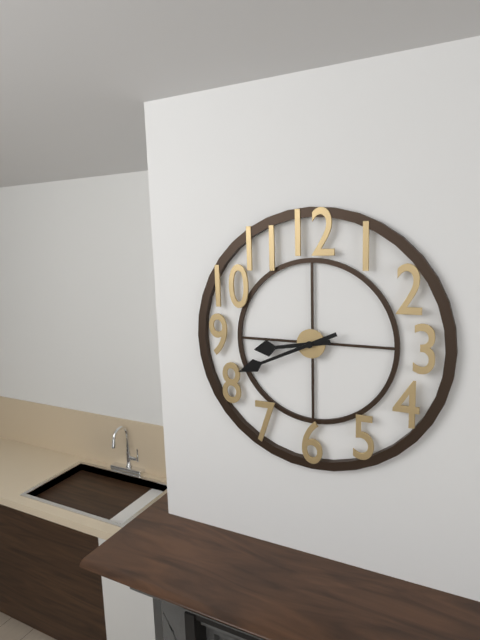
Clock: 8:41
